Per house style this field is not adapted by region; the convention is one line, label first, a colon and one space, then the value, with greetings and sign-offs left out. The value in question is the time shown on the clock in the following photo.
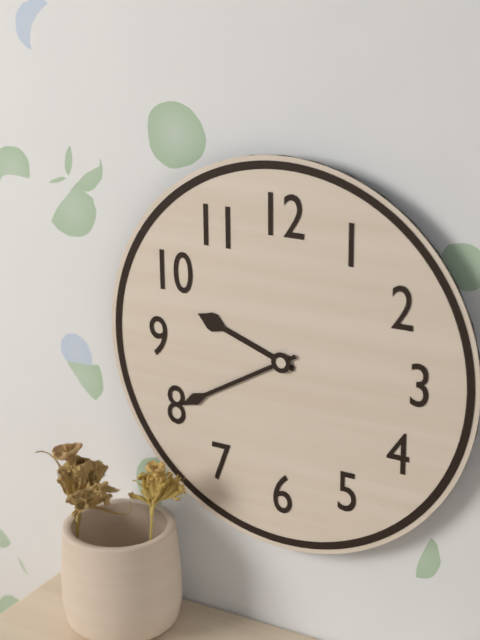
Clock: 9:40
